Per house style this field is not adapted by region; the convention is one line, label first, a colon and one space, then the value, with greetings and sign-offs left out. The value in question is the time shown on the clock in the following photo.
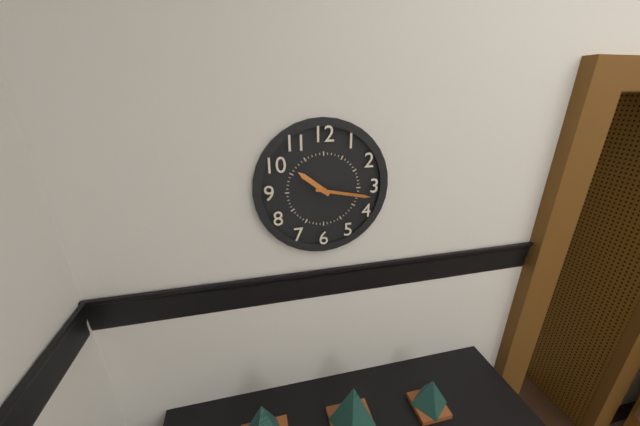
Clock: 10:17
